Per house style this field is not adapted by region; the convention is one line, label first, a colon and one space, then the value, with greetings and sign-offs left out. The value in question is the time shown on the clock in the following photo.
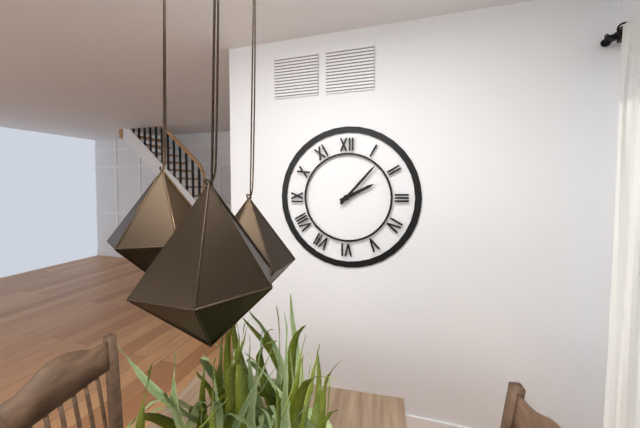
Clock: 2:07
